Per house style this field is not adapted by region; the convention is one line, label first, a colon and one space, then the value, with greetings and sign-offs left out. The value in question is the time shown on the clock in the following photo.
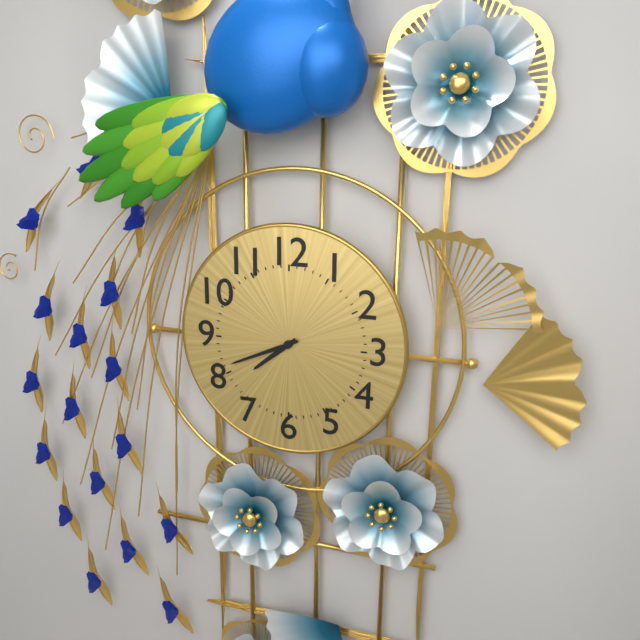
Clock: 7:41
